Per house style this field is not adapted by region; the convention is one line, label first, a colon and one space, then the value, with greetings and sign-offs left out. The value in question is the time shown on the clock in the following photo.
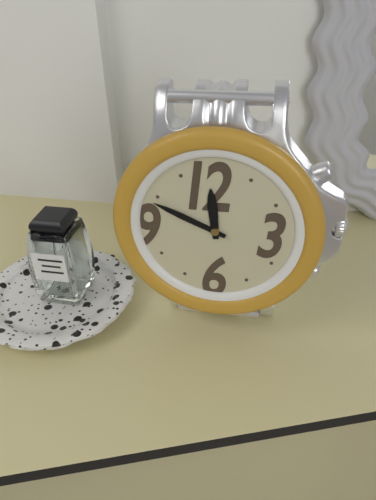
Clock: 11:49
